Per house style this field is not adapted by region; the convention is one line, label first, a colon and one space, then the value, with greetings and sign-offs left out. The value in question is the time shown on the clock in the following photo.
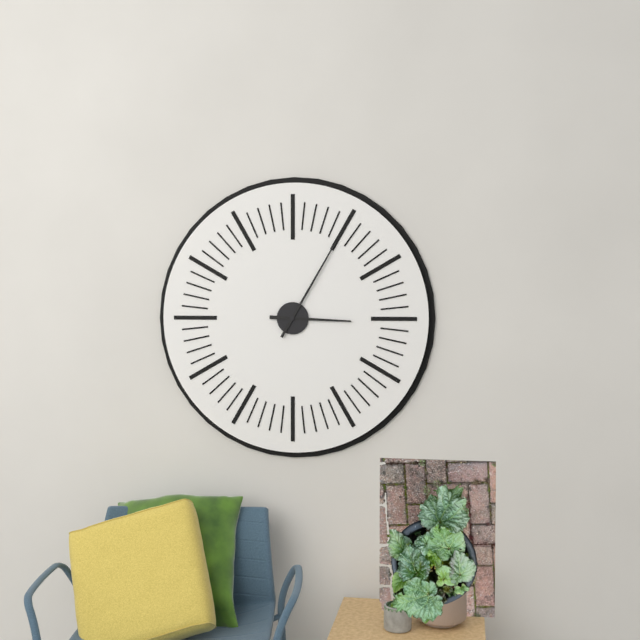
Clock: 3:05
